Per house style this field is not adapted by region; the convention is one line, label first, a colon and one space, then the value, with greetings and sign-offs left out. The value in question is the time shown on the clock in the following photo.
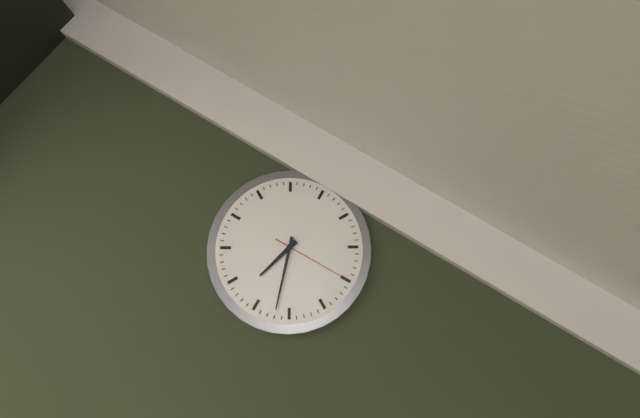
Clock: 7:32:20
